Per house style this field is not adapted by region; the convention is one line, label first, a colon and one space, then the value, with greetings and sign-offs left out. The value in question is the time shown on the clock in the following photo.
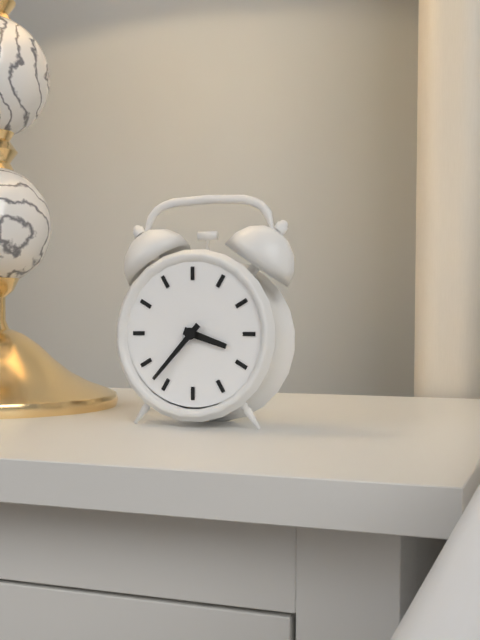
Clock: 3:37
